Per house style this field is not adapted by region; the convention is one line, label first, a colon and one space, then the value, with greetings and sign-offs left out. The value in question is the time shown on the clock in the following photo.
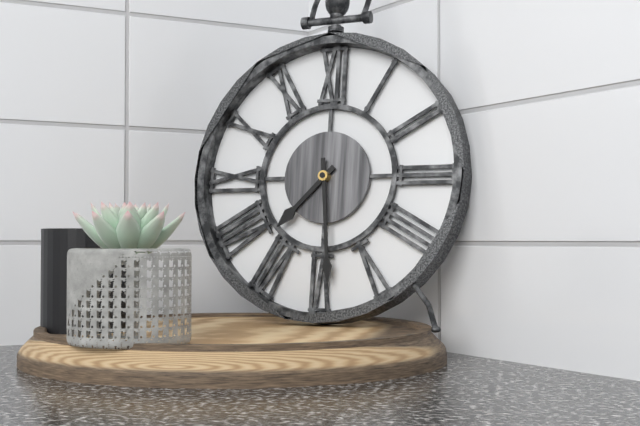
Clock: 7:29
